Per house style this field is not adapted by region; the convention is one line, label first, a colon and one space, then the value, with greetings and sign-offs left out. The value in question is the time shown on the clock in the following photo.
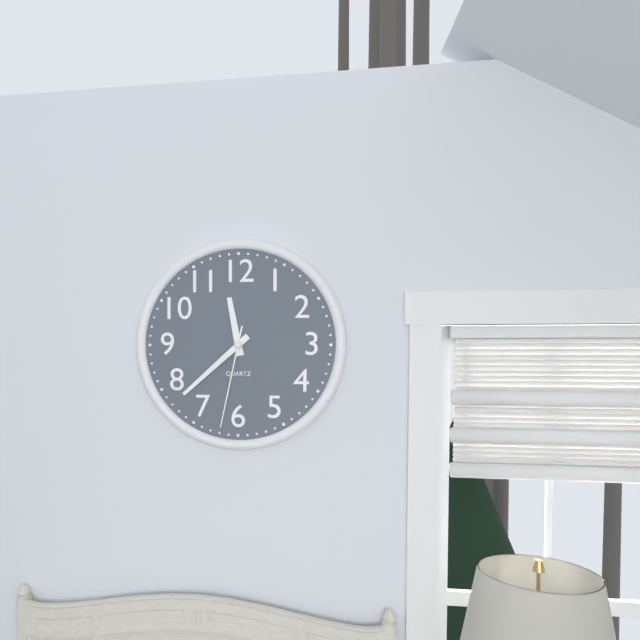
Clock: 11:38:32
